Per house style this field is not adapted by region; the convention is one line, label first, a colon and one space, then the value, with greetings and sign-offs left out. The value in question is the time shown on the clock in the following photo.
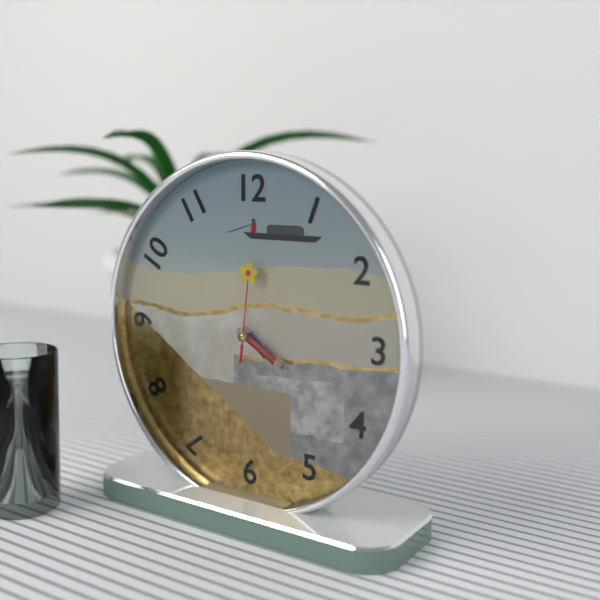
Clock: 4:20:01
